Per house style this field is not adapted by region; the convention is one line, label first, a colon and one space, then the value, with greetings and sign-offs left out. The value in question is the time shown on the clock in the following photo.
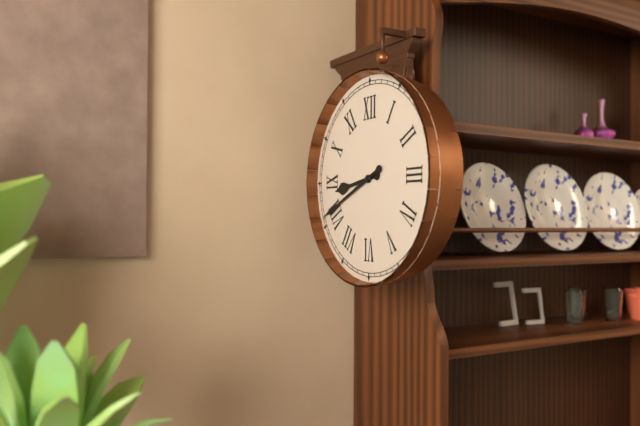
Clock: 8:41
